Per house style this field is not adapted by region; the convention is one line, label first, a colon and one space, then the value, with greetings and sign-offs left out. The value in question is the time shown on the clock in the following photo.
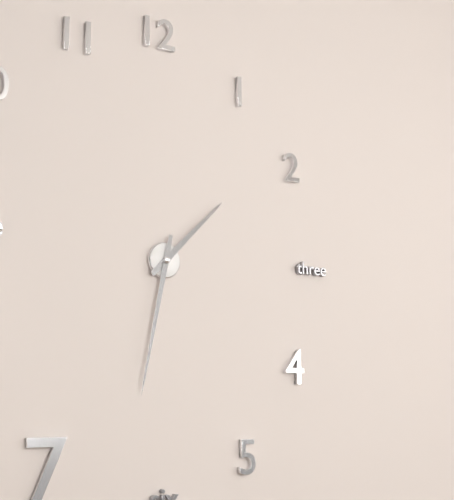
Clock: 1:32
